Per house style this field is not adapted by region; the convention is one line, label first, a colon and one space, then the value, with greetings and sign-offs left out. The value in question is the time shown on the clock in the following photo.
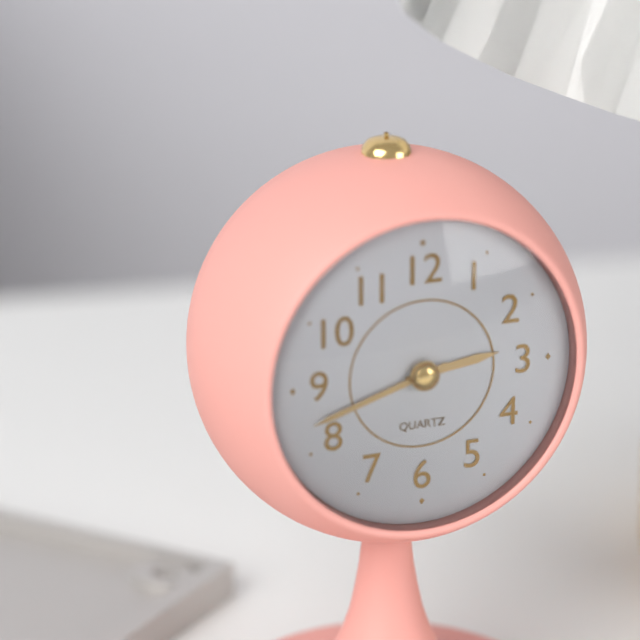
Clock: 2:42
